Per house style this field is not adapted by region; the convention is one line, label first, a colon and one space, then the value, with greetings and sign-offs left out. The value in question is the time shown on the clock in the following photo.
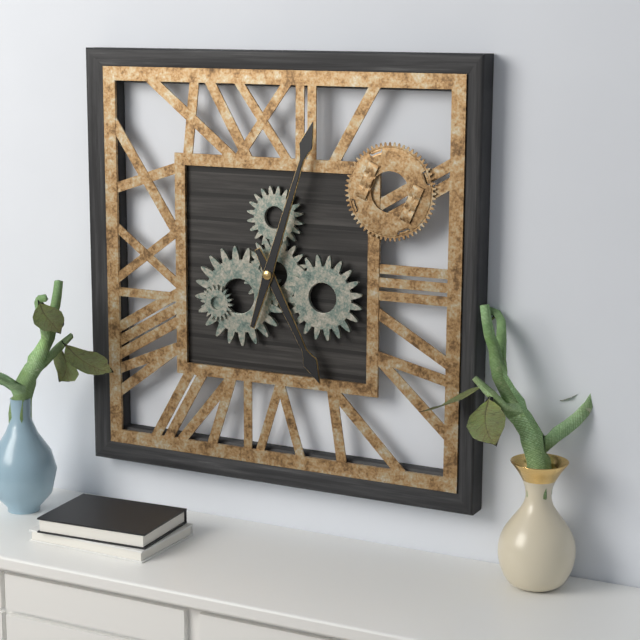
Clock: 5:03
